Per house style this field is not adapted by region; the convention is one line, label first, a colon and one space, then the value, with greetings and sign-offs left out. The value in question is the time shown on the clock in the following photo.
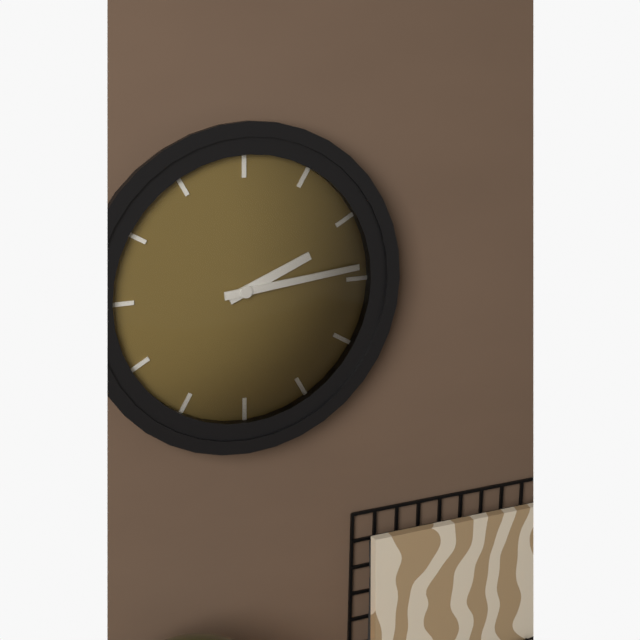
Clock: 2:14
